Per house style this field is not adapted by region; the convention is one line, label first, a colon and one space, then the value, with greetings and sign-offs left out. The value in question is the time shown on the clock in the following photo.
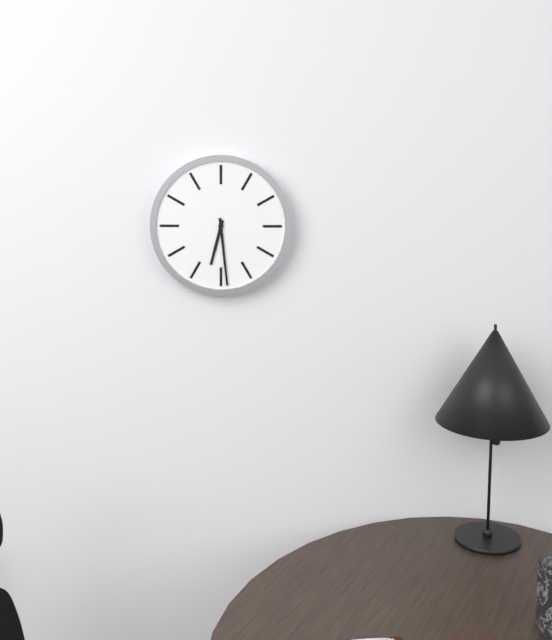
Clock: 6:29
